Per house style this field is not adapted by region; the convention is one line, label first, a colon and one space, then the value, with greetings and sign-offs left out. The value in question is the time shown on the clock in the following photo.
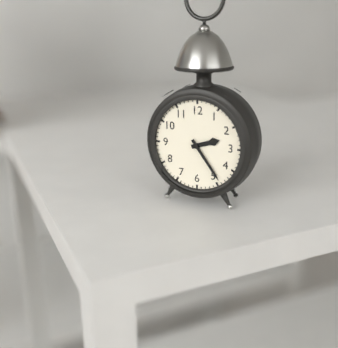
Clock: 2:24
